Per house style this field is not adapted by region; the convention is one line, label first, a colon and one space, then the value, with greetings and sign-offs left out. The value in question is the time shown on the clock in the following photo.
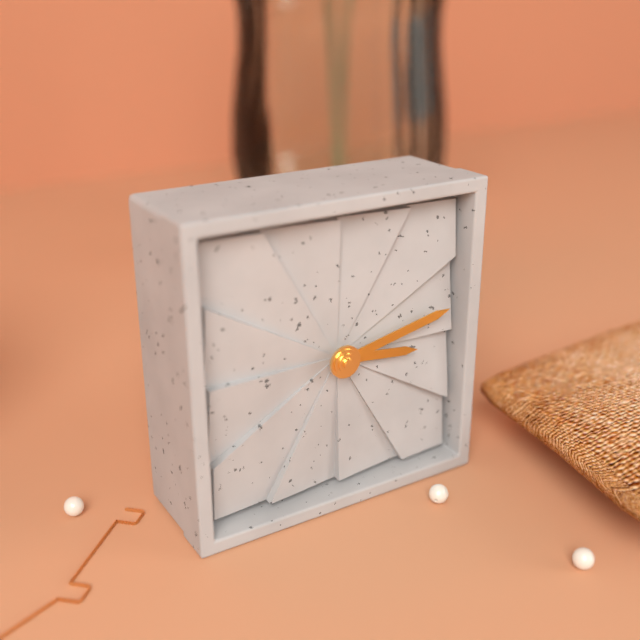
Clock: 3:13
